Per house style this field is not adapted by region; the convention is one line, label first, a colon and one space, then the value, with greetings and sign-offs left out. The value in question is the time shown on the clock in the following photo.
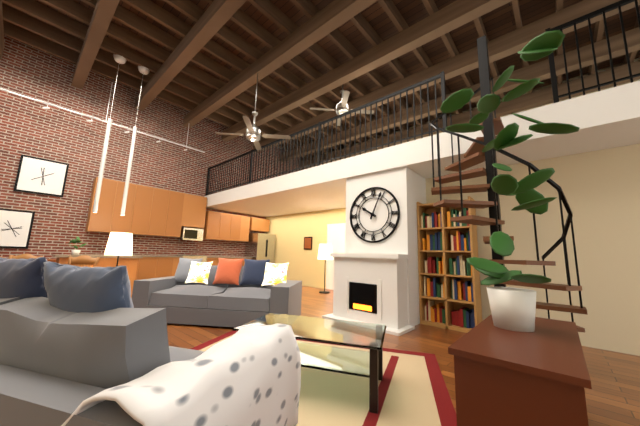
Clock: 10:04
